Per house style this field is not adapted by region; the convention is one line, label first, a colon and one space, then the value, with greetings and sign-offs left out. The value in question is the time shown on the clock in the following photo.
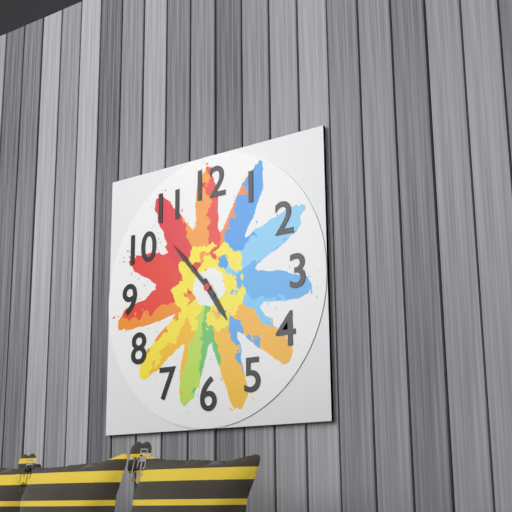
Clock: 4:53
